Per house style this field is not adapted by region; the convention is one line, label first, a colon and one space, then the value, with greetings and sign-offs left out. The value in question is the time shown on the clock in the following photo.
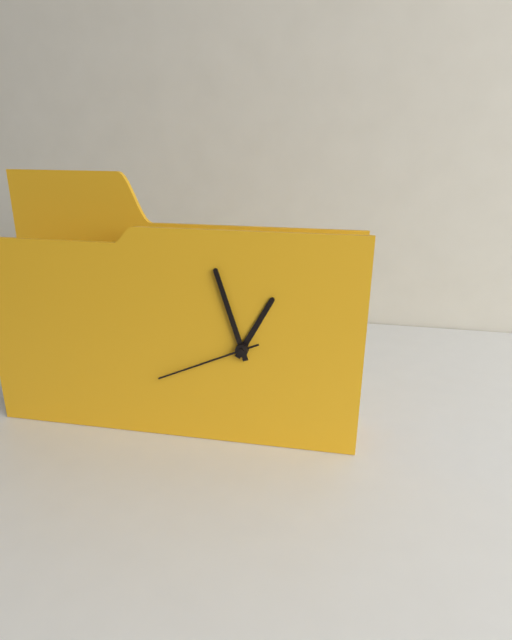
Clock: 12:57:41
